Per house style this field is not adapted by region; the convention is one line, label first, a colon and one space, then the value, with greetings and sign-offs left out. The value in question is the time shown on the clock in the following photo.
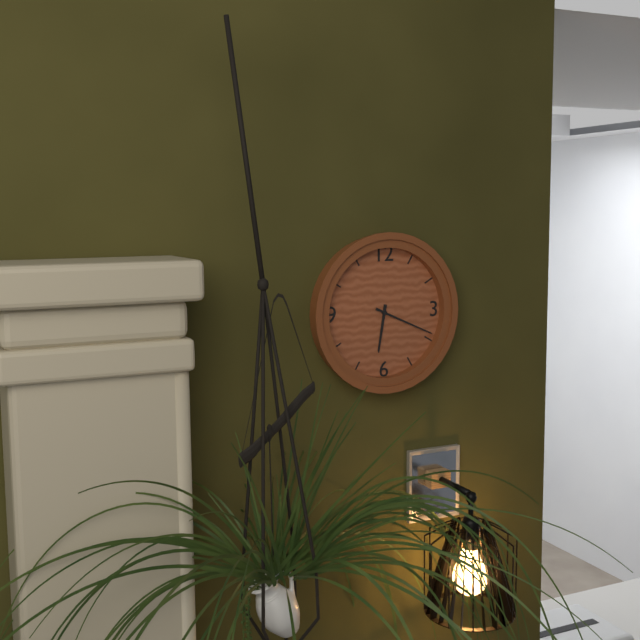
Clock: 6:19
